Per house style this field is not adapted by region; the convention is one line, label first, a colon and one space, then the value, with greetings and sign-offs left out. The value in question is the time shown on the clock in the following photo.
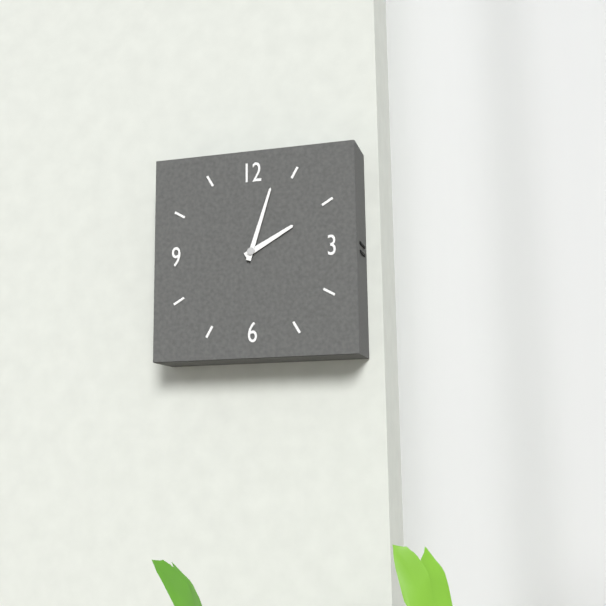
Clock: 2:03
